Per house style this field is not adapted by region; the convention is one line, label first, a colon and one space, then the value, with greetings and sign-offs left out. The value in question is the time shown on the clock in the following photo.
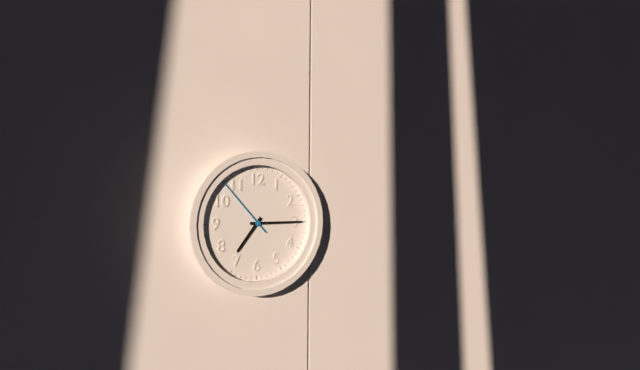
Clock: 7:15:53
